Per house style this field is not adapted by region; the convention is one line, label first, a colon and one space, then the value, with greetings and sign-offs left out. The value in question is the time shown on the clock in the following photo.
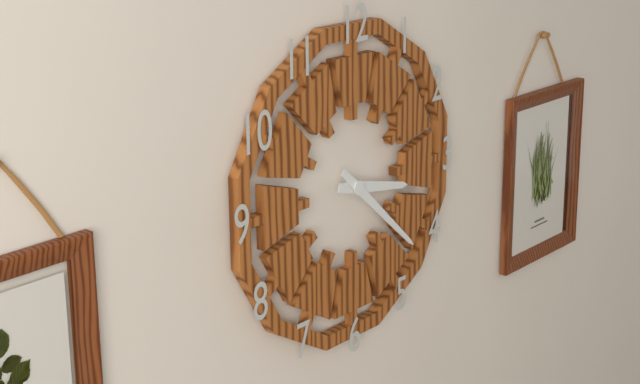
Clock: 3:22
